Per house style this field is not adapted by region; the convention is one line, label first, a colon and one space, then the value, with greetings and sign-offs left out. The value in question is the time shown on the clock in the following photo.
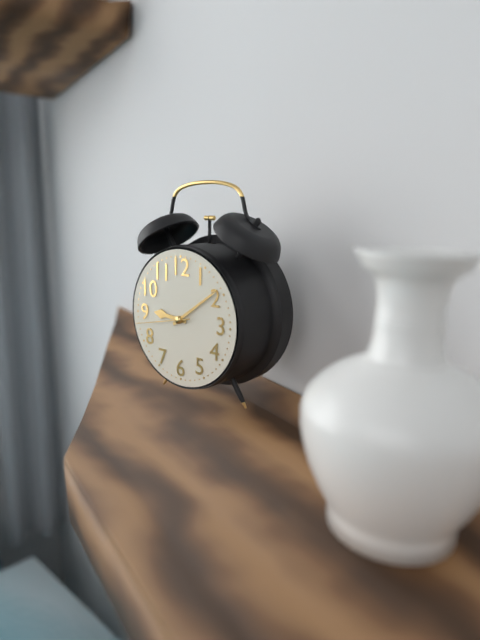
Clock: 9:09:43
